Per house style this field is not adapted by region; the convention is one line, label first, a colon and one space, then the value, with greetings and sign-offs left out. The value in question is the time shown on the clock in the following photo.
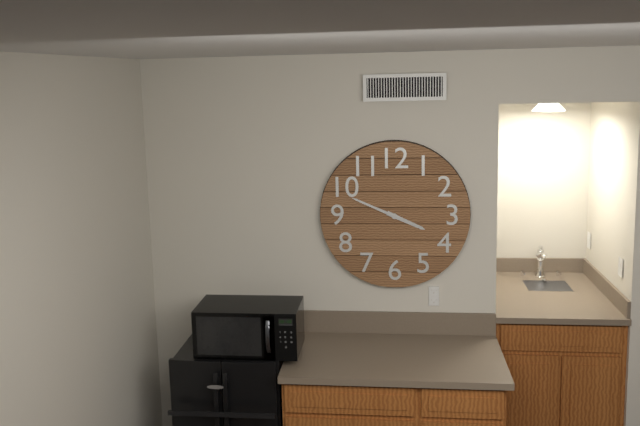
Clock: 3:49
